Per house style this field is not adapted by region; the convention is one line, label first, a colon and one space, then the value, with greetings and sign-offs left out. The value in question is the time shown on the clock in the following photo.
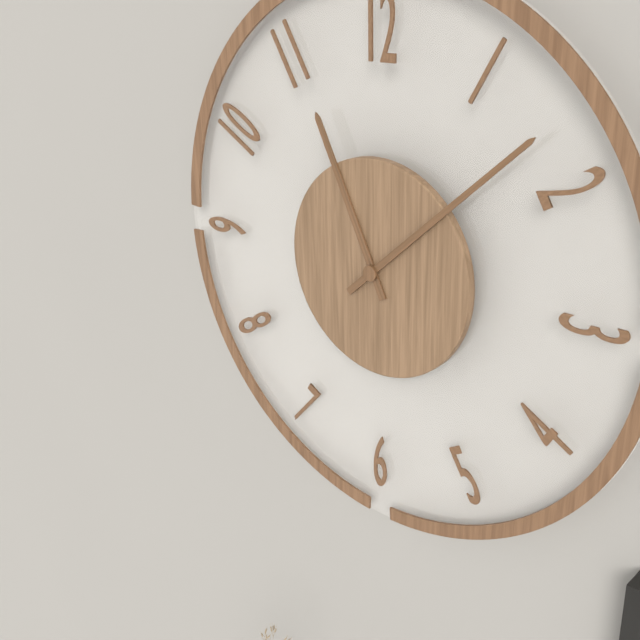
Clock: 11:08
